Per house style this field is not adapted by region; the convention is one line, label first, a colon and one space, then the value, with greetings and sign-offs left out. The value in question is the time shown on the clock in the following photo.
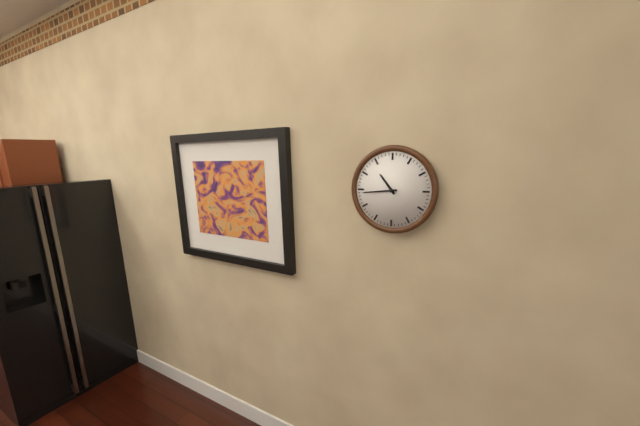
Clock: 10:44
